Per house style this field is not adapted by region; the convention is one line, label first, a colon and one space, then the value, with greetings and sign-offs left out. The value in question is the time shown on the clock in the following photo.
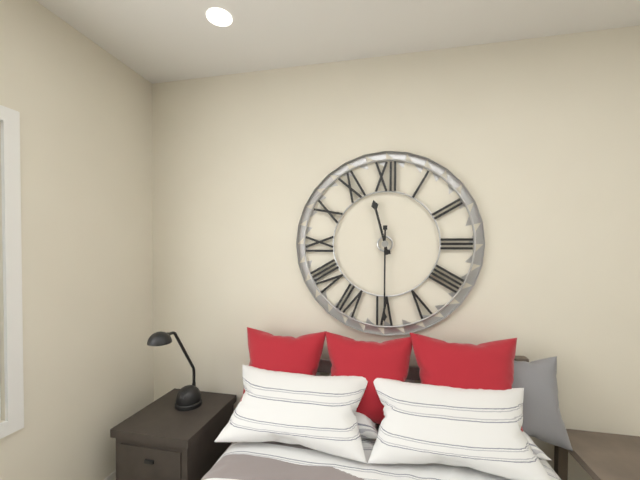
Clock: 11:30
